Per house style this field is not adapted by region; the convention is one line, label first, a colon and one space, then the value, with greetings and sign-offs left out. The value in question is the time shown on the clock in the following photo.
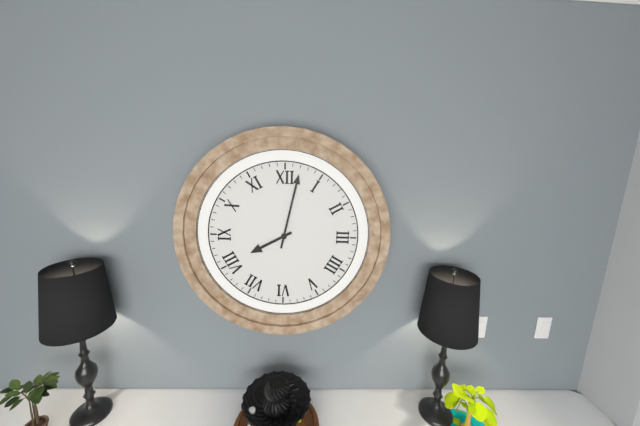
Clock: 8:02
